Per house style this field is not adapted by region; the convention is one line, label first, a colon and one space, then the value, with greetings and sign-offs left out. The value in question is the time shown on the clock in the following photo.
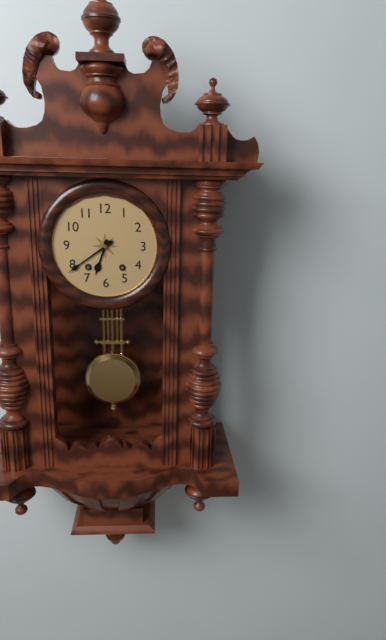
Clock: 6:39
